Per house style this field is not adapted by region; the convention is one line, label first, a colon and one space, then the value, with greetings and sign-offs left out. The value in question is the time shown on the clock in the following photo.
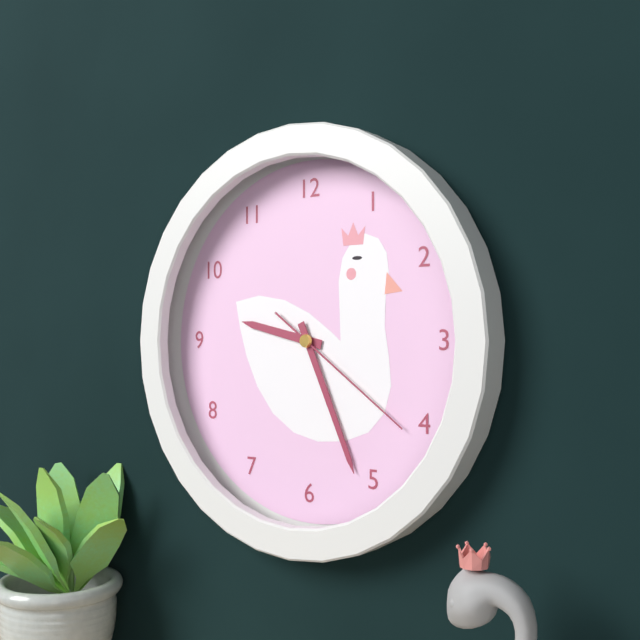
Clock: 9:26:21
